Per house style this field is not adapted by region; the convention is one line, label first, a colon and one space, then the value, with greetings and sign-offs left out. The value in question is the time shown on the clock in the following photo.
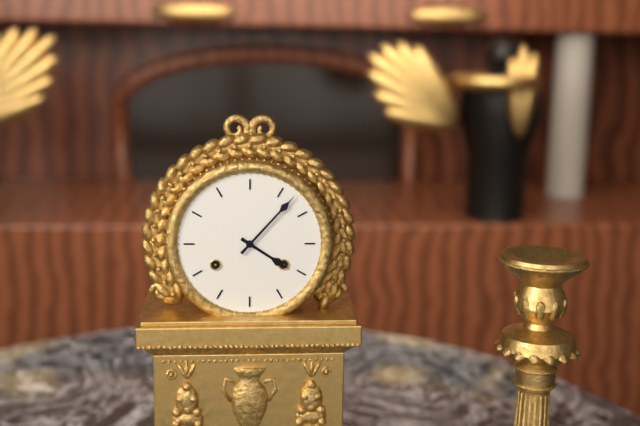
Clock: 4:07
